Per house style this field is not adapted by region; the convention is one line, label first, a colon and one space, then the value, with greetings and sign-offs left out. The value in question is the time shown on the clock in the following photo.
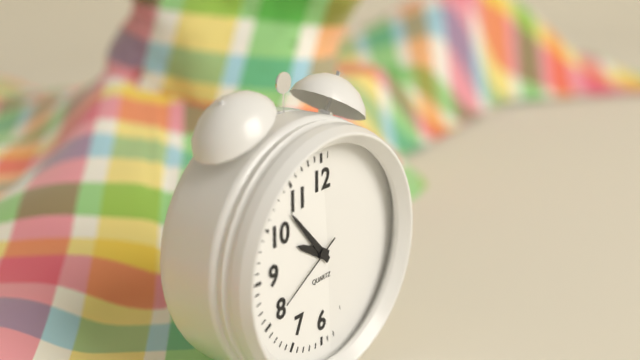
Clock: 9:53:40
